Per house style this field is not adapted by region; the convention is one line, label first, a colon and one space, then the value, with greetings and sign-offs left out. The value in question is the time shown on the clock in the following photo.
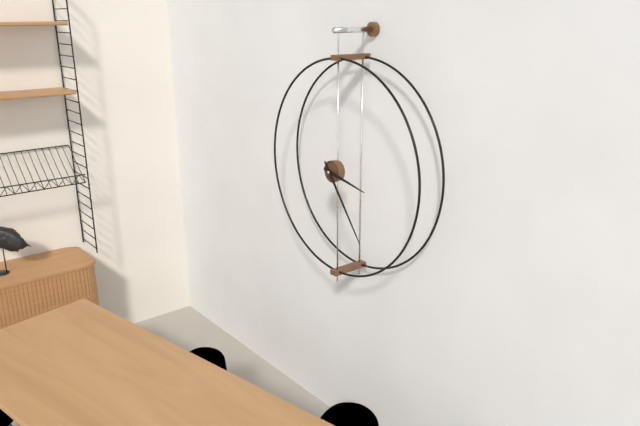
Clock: 3:24
